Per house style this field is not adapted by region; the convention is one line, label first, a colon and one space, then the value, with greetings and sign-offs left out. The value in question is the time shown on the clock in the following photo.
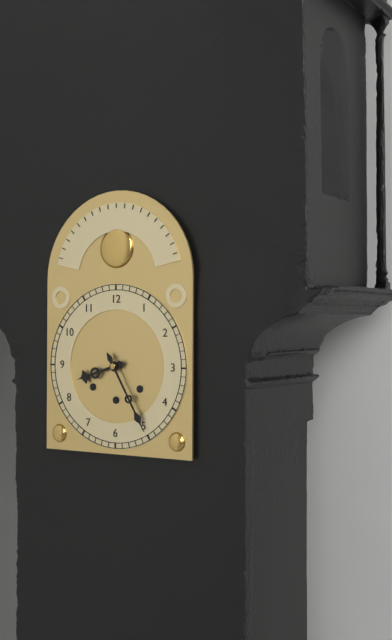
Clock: 8:25
